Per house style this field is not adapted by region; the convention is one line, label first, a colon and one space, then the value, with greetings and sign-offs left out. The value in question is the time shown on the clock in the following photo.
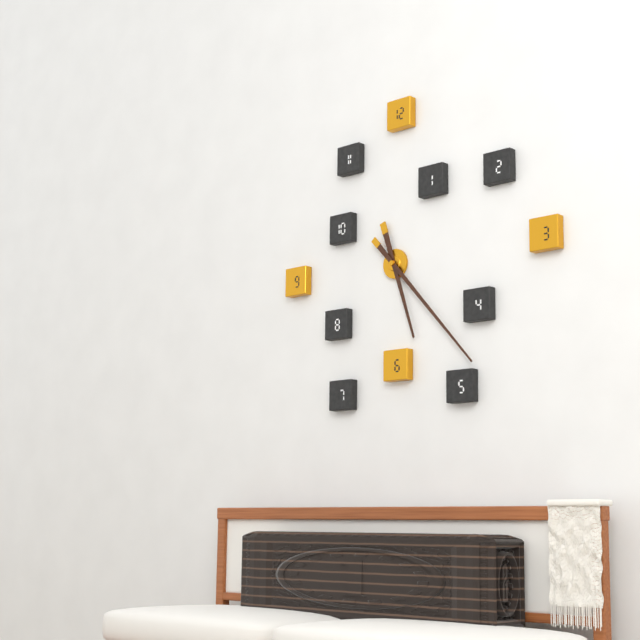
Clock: 5:23
